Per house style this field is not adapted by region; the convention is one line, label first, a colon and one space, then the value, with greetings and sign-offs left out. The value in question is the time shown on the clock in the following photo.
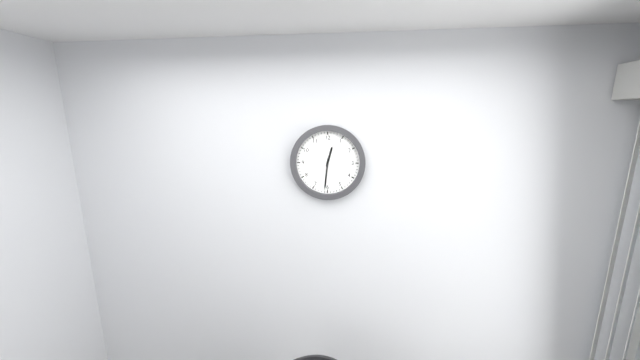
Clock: 12:31
